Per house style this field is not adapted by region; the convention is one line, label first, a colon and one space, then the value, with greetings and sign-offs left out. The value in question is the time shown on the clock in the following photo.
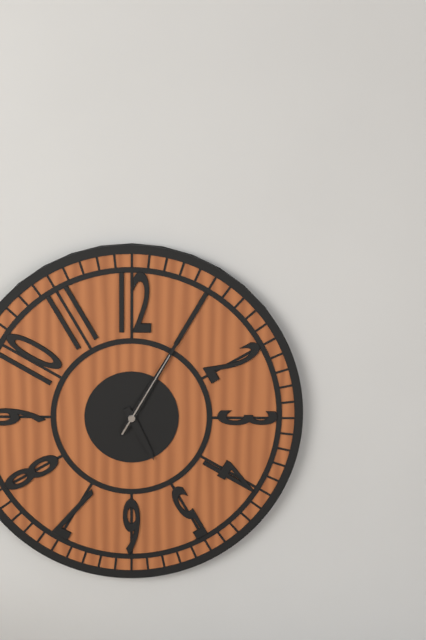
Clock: 5:05:05
